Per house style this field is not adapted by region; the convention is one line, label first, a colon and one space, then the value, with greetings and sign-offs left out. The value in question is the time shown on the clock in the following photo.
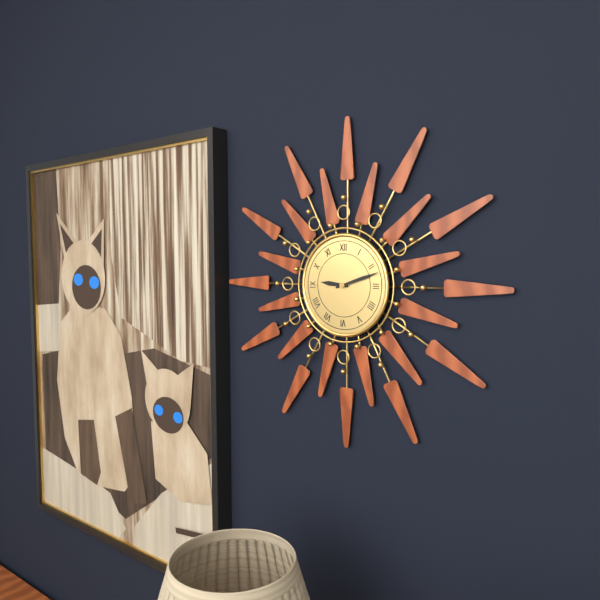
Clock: 9:12
